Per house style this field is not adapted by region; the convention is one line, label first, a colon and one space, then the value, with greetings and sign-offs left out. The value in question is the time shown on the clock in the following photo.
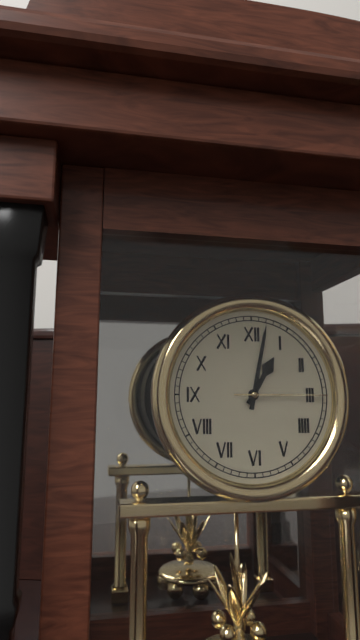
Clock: 1:02:15
